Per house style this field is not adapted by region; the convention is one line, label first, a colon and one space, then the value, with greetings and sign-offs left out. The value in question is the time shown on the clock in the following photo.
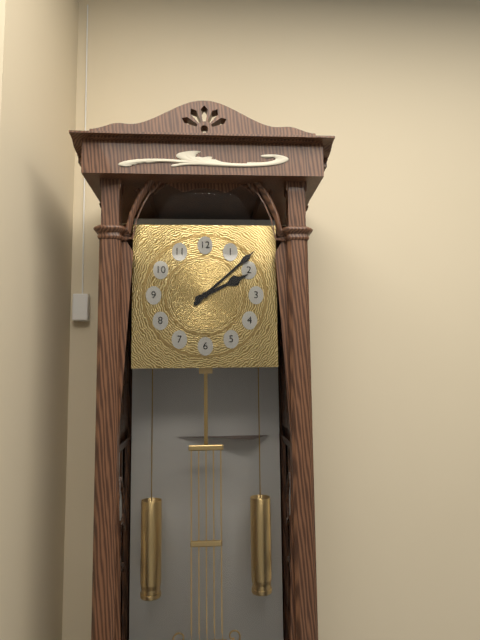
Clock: 2:08
